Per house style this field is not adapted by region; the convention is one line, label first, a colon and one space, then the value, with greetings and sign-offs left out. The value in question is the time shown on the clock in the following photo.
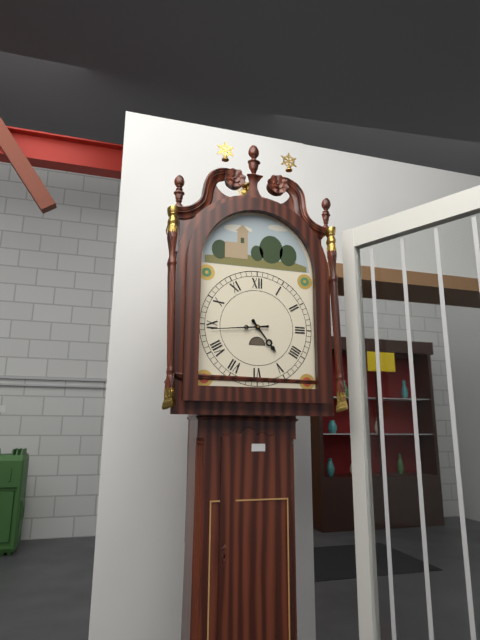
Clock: 4:44
